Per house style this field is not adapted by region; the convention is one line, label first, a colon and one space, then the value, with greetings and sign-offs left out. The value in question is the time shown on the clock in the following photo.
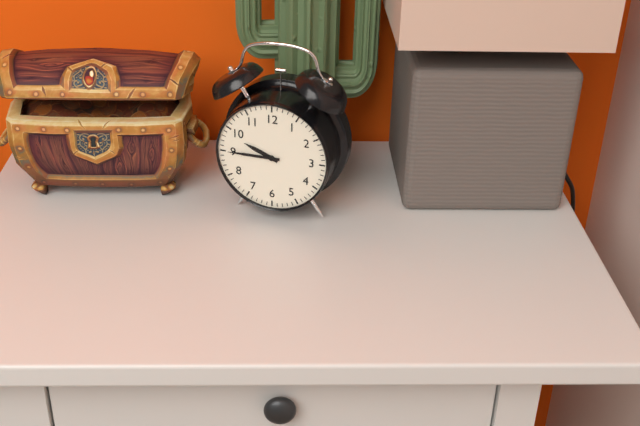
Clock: 9:45
